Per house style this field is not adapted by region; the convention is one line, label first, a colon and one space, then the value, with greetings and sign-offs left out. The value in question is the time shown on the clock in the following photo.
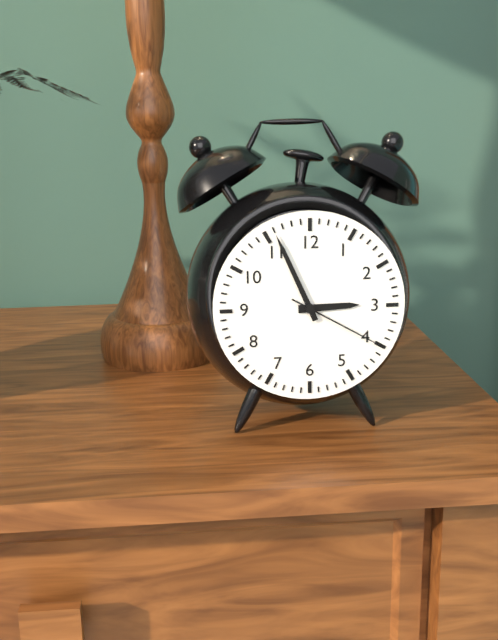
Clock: 2:56:20
